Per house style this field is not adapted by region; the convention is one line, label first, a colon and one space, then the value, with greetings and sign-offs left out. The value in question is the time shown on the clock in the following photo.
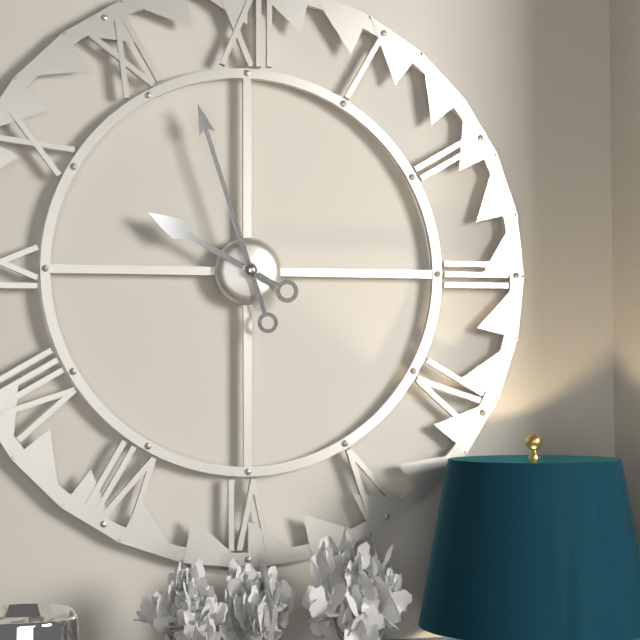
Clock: 9:57
